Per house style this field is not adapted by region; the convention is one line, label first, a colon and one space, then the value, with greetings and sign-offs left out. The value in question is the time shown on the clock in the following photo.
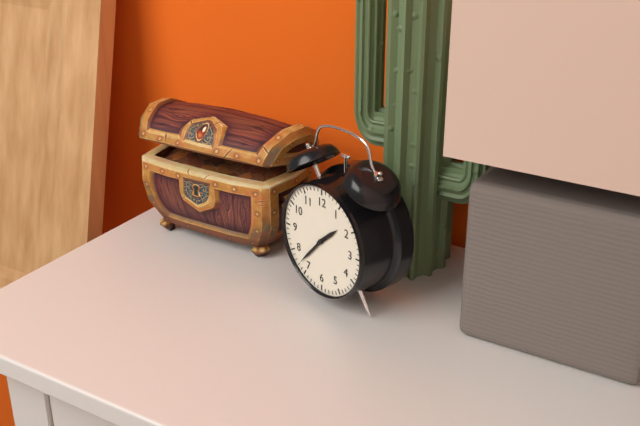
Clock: 1:37
